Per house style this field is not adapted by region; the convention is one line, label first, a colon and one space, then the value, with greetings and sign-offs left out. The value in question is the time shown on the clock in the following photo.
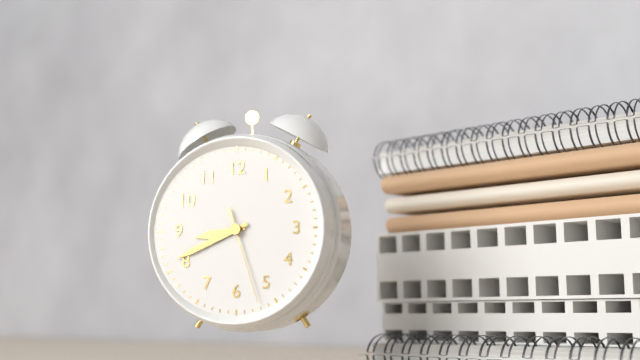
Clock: 8:41:27
